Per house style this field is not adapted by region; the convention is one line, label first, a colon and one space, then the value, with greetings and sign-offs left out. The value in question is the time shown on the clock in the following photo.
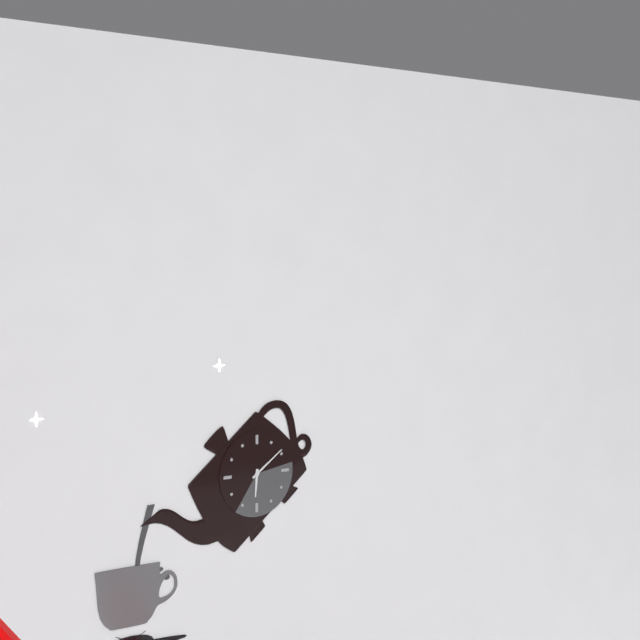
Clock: 6:09
